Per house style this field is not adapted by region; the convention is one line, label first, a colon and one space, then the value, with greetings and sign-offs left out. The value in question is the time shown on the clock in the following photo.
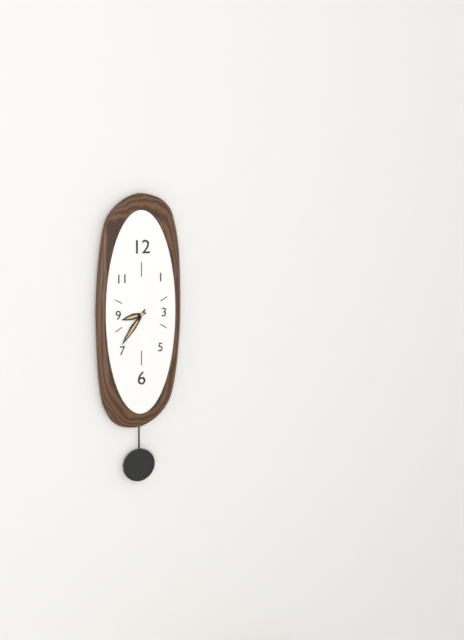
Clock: 8:36
